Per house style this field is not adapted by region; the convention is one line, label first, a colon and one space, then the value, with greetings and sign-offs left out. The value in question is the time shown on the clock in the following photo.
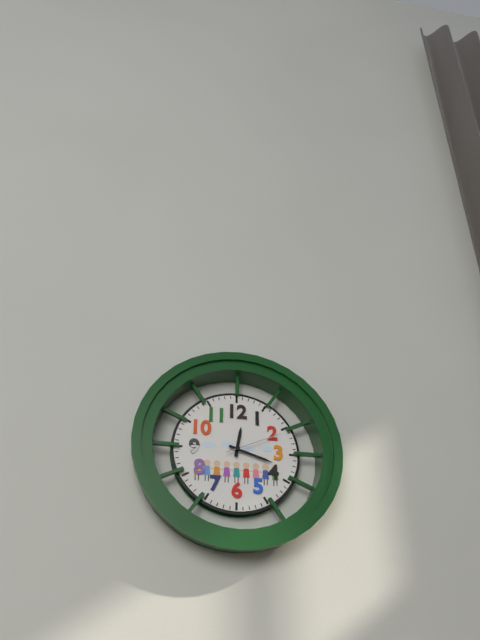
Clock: 12:18:11
